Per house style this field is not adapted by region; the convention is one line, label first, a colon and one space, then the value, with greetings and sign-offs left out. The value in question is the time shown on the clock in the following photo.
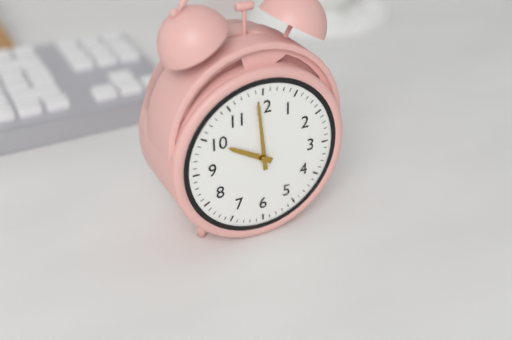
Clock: 9:59
